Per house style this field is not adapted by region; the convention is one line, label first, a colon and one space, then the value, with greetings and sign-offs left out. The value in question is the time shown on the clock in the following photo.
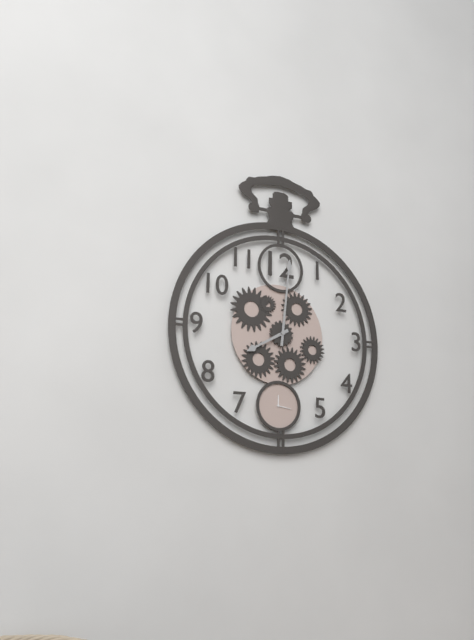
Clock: 8:01
